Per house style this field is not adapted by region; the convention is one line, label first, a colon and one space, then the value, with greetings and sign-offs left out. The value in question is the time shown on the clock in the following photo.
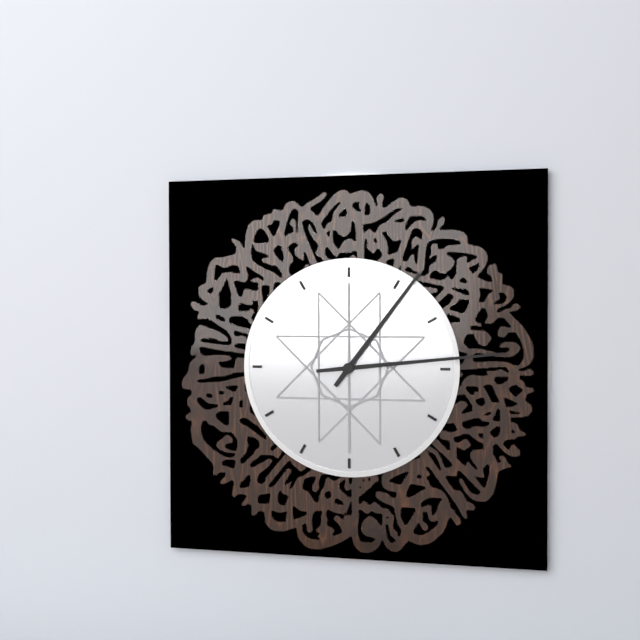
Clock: 1:14
